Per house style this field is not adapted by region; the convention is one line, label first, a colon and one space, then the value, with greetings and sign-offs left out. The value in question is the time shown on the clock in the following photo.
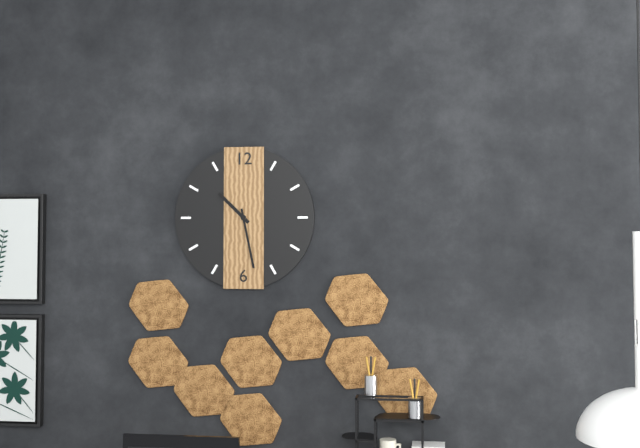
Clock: 10:28
